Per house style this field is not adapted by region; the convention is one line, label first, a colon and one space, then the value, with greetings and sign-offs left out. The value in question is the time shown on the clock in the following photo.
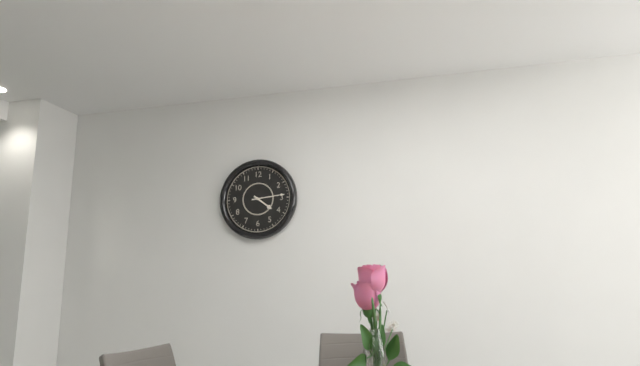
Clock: 4:14
